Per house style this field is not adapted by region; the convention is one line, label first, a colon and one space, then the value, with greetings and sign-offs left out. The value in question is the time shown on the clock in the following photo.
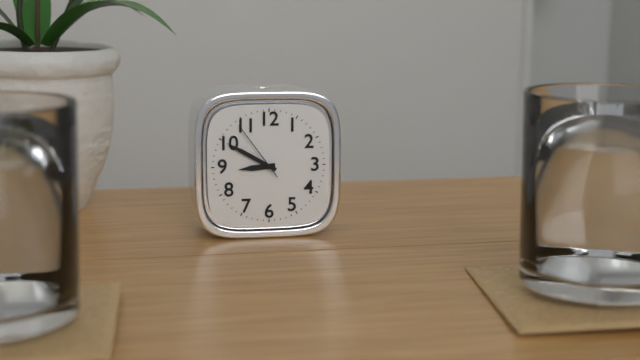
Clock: 8:50:54
